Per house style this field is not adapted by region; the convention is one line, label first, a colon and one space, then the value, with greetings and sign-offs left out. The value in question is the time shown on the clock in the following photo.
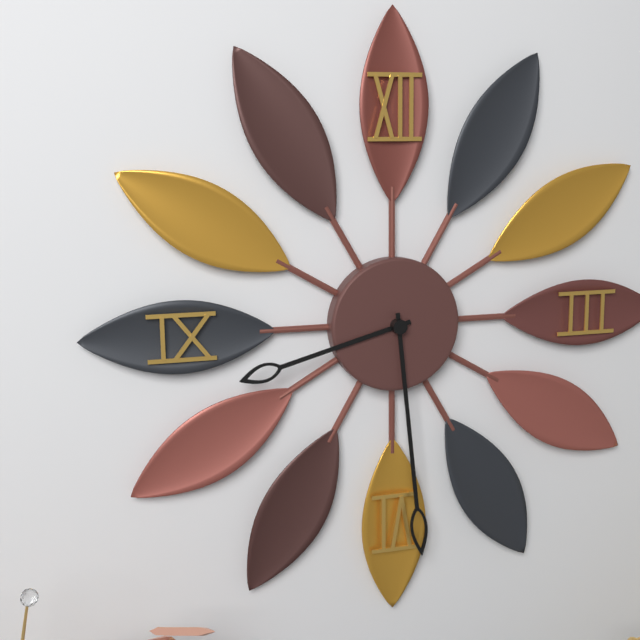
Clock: 8:29
